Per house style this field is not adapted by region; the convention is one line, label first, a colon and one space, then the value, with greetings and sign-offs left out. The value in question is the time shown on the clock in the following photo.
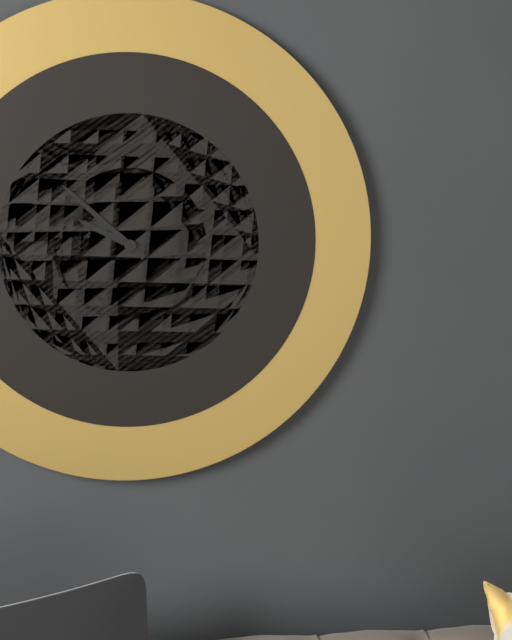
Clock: 9:52
